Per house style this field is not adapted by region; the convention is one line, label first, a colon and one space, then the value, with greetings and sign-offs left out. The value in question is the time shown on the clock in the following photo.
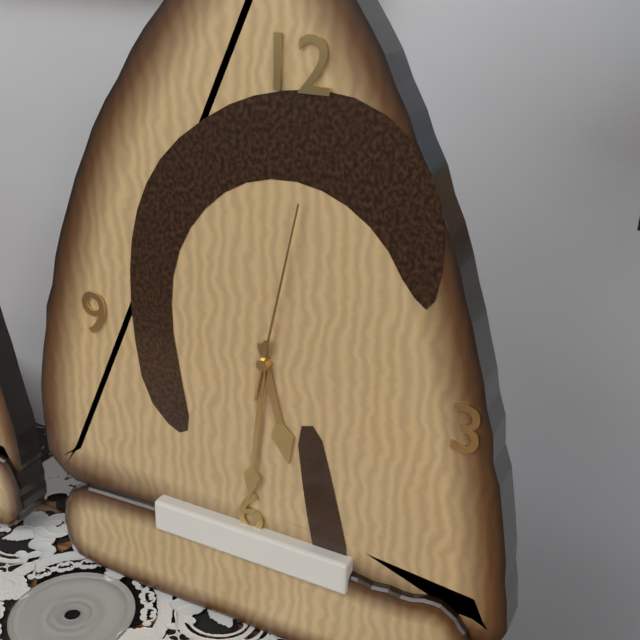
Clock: 5:31:02
